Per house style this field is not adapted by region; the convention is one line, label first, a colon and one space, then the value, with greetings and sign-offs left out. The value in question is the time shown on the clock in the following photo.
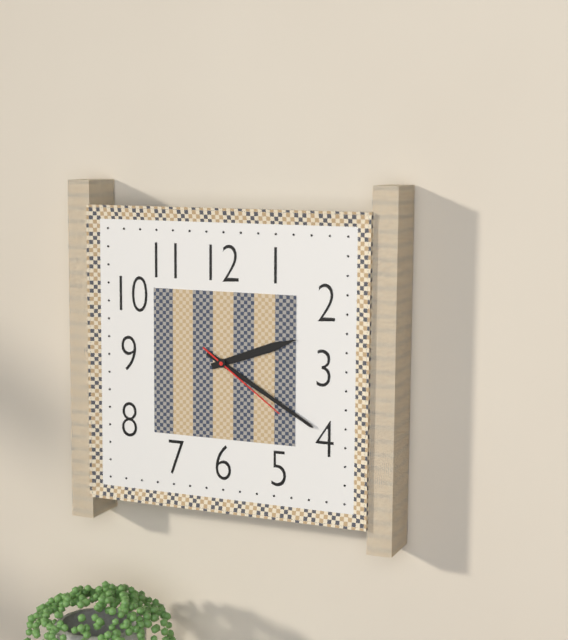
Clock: 2:20:21
